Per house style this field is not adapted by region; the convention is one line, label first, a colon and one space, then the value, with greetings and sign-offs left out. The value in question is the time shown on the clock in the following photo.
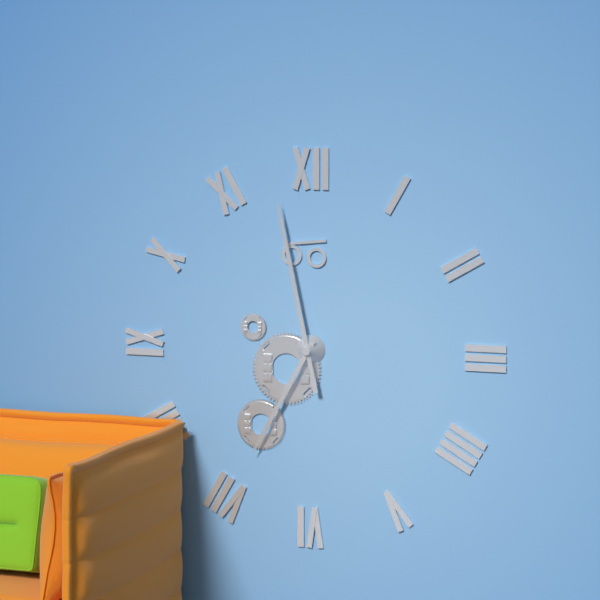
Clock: 6:58
